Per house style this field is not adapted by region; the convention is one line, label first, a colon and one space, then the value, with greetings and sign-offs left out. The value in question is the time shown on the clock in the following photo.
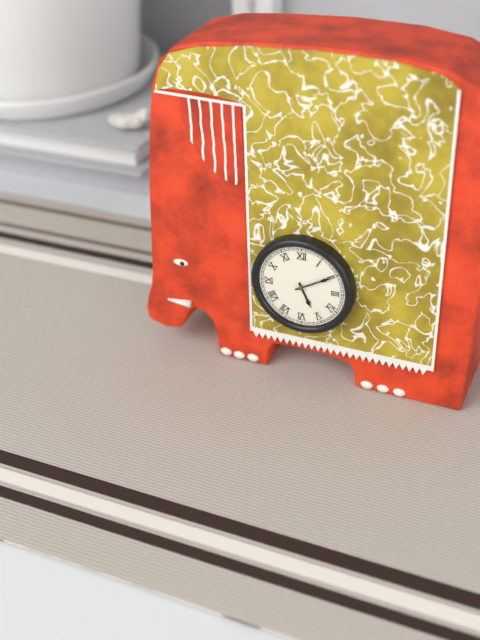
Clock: 5:10
